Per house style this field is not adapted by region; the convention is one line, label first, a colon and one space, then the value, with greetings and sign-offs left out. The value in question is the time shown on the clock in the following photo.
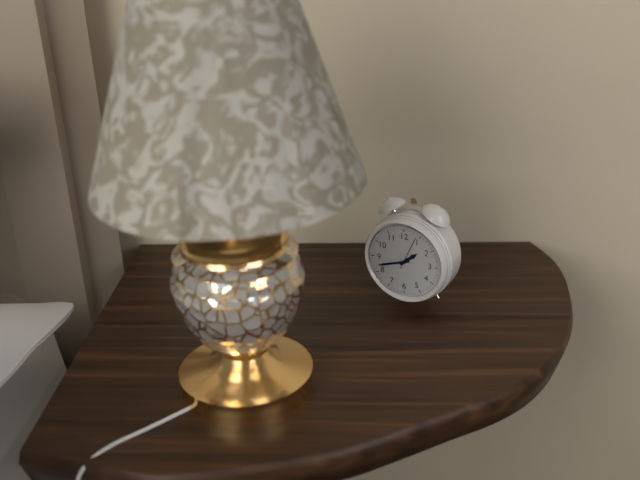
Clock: 1:42
